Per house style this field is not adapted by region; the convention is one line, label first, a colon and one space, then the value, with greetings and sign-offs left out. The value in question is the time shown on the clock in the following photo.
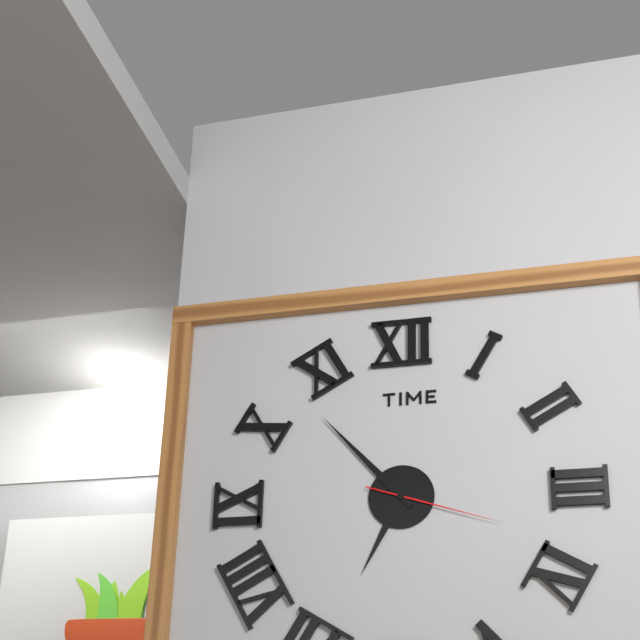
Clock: 6:53:18
